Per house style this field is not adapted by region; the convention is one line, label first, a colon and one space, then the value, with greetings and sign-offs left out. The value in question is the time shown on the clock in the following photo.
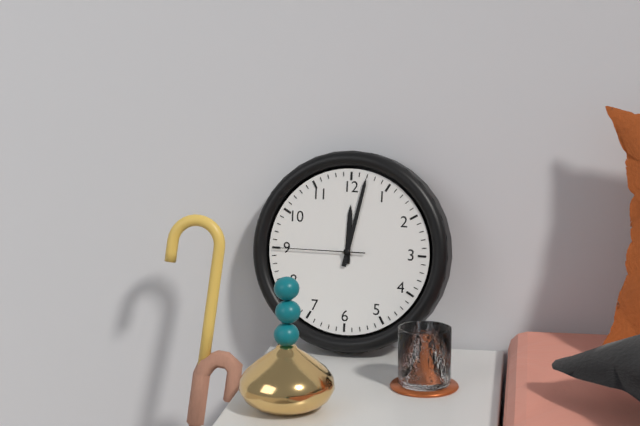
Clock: 12:02:45
